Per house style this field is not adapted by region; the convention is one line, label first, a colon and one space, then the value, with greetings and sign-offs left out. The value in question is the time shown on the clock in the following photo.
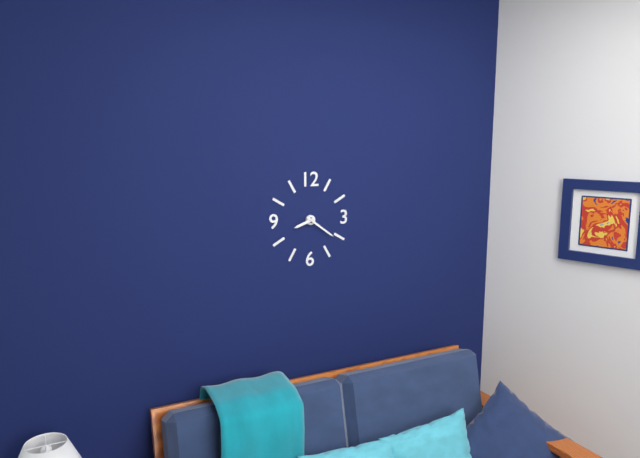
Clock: 8:21
